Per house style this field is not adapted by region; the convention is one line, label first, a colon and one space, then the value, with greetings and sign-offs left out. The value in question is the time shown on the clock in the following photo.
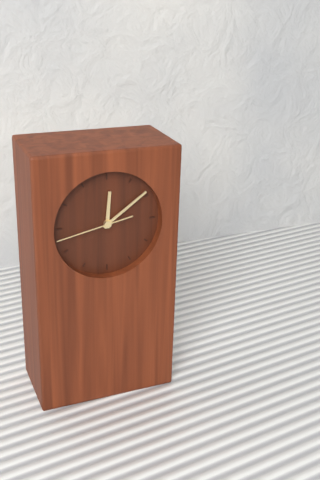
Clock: 12:09:43
